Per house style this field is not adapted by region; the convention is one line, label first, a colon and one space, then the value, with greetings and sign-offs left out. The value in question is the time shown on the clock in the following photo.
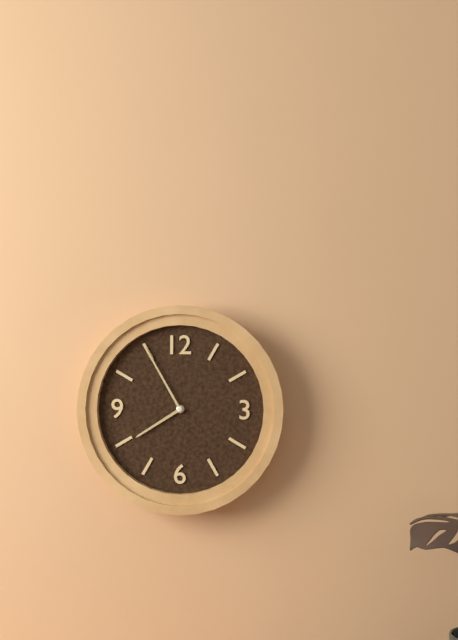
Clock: 7:55
